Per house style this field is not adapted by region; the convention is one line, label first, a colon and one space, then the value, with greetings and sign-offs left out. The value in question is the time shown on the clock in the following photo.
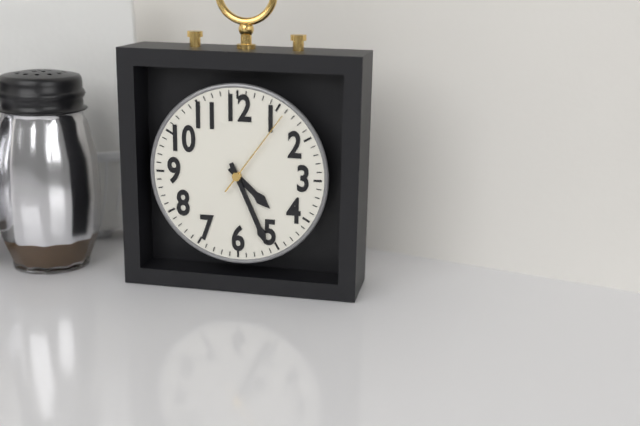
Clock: 4:26:06
